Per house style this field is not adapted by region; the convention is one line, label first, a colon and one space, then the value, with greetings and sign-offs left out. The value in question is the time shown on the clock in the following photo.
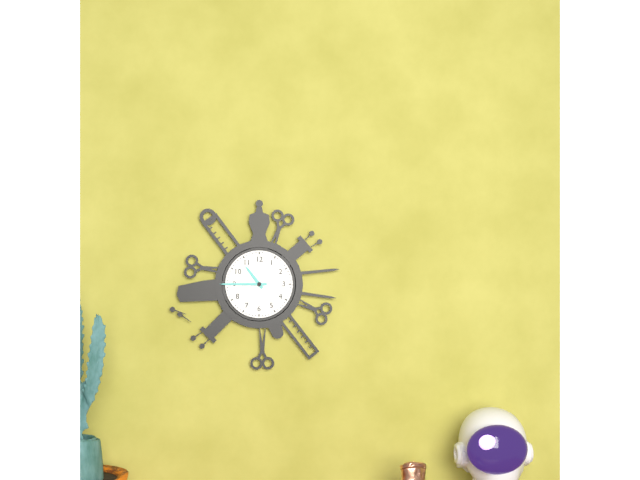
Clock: 10:45
